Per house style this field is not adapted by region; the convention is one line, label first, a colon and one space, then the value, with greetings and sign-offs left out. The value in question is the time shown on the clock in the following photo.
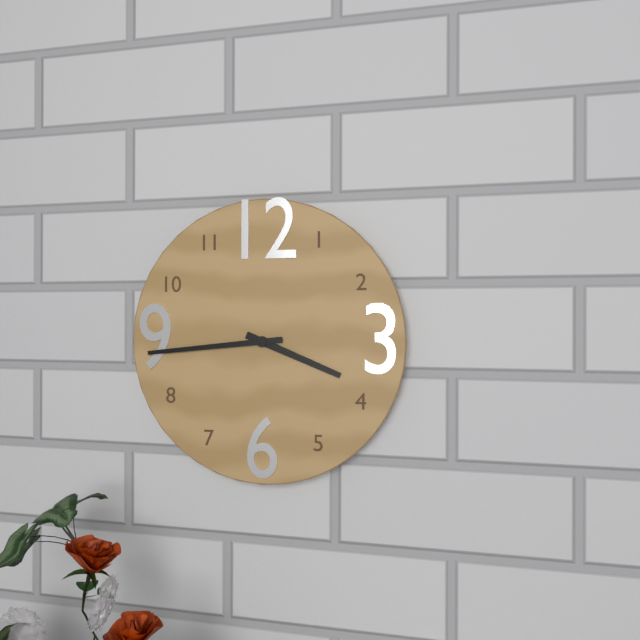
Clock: 3:44
